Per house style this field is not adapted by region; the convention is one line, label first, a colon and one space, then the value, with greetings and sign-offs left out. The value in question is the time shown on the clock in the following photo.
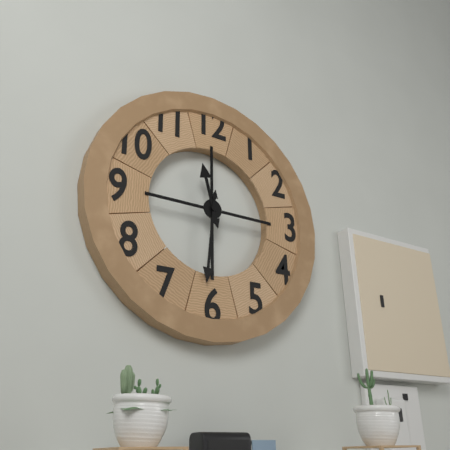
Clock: 11:31
